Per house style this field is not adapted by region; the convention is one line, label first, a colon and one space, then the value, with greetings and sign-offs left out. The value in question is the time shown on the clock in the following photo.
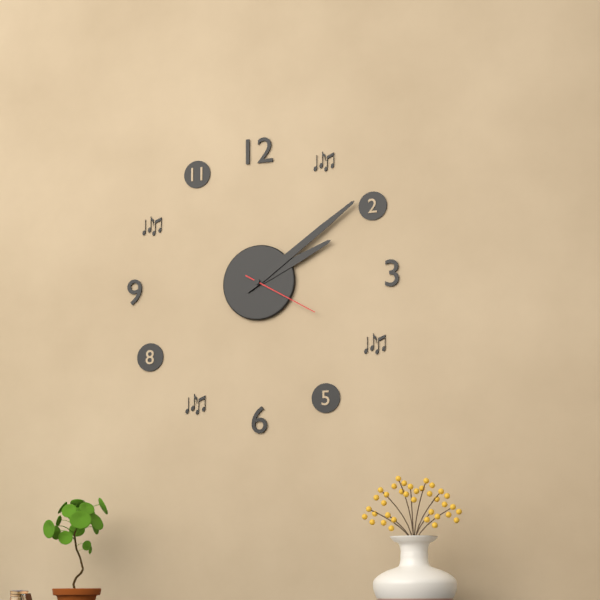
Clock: 2:09:20
